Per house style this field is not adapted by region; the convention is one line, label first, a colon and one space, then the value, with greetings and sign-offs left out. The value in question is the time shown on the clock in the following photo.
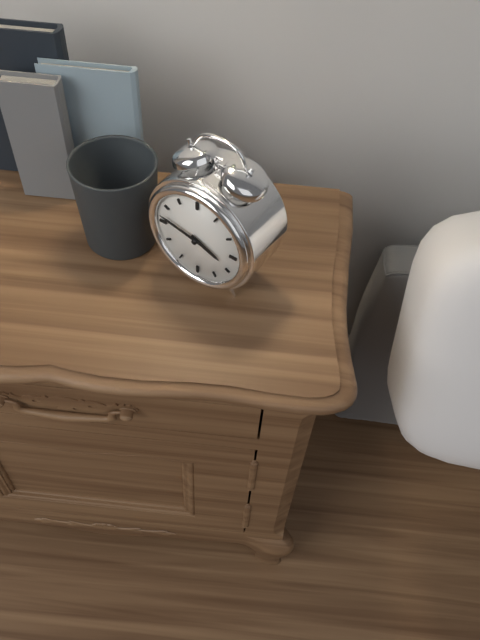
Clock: 3:47
